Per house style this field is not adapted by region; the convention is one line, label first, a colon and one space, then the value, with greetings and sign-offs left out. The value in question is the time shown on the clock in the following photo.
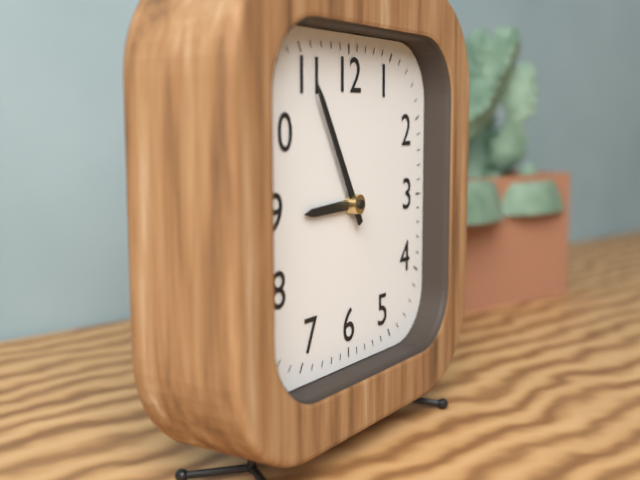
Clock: 8:55
